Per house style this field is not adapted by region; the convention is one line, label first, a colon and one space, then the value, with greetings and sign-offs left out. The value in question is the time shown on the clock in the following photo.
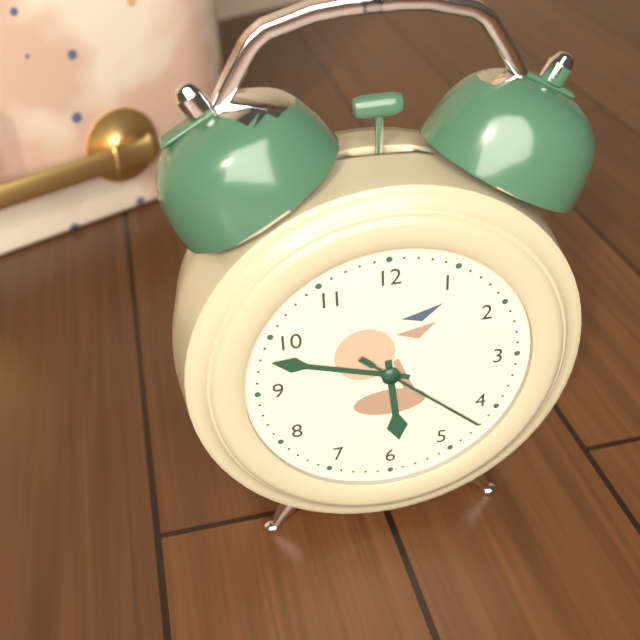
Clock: 5:48:22
